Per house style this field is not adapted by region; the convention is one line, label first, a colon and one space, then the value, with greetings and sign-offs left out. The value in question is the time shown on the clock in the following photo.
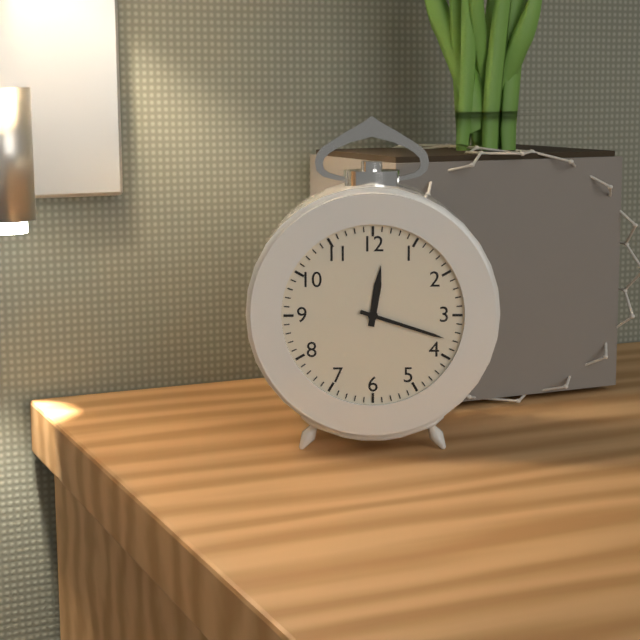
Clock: 12:18
